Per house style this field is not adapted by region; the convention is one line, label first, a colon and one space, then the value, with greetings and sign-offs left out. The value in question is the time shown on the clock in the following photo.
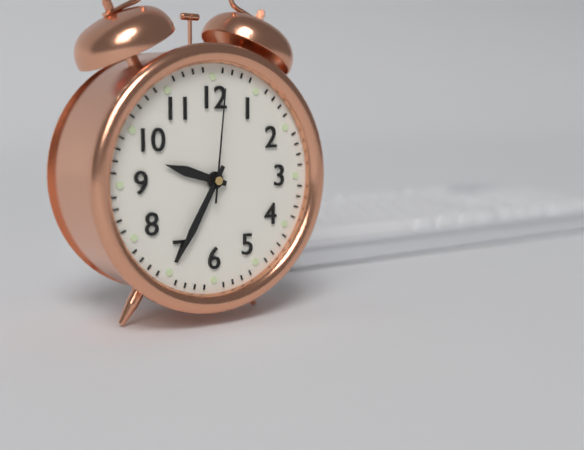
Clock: 9:35:01
